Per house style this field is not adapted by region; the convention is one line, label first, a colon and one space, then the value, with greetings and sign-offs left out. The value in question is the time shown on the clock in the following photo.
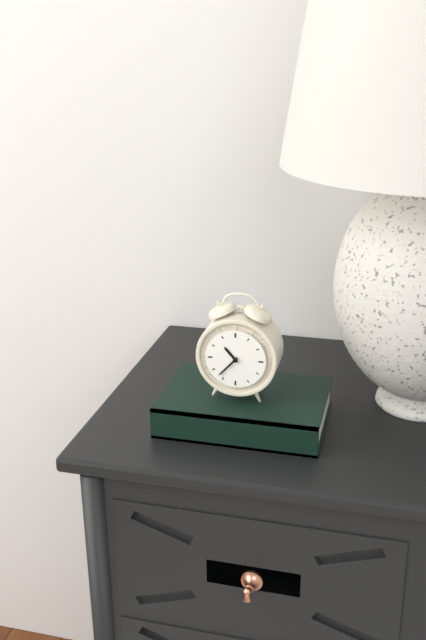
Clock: 10:37
